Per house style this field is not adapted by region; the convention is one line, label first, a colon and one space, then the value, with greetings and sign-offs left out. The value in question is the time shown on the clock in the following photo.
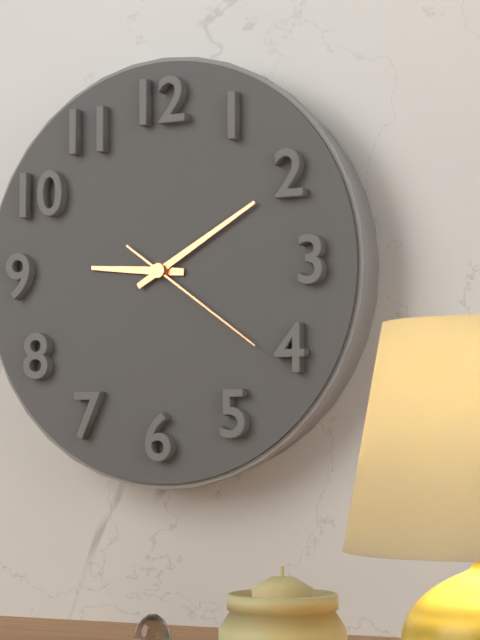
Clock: 9:10:21
